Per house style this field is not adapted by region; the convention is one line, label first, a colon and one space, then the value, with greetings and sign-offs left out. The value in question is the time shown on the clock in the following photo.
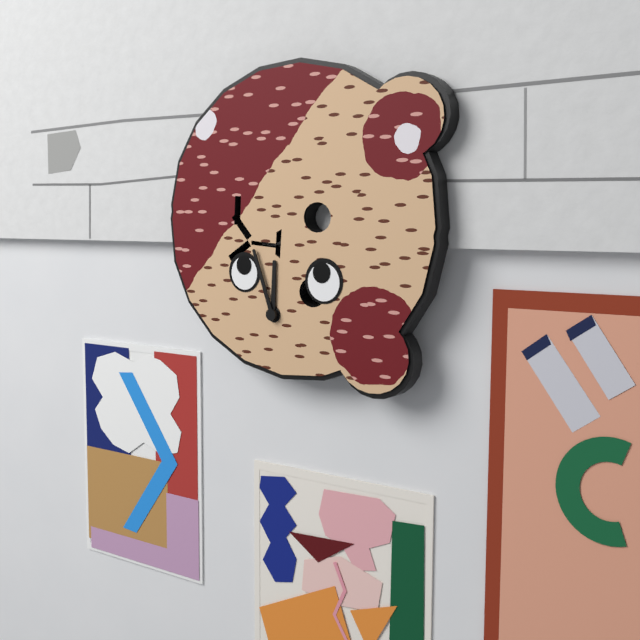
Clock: 11:56
